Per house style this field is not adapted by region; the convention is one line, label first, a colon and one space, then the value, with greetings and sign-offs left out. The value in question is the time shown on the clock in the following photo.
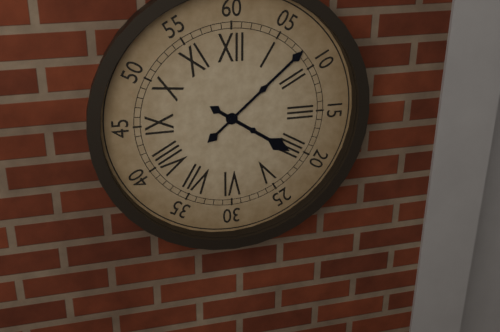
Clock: 4:08
